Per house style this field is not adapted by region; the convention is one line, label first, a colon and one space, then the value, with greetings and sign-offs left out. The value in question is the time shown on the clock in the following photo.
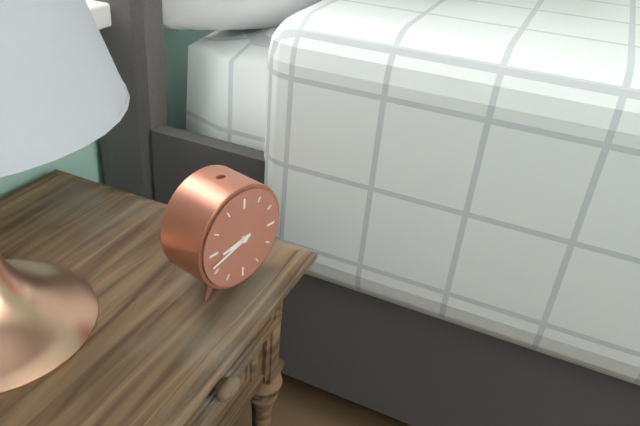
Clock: 8:42
